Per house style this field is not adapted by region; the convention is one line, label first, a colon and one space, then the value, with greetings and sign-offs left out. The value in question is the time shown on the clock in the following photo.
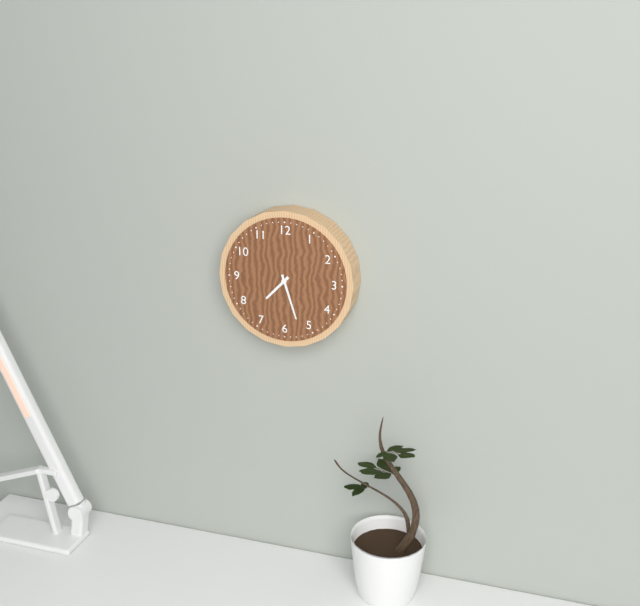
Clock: 7:27
